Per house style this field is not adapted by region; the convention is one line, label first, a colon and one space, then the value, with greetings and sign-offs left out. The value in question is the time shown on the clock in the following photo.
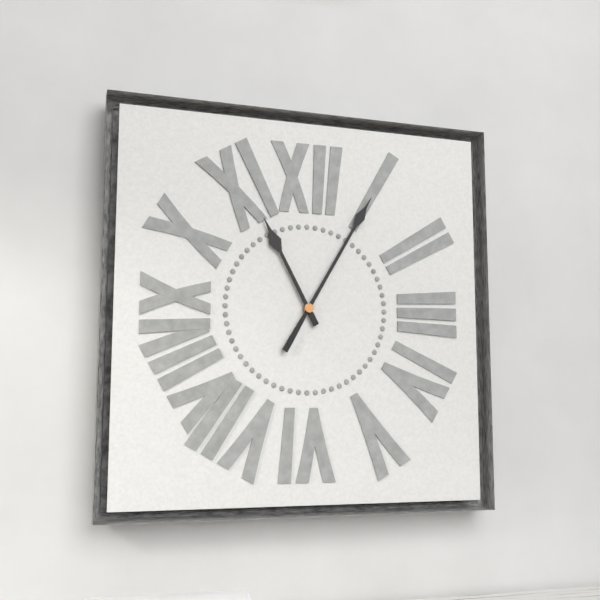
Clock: 11:05
